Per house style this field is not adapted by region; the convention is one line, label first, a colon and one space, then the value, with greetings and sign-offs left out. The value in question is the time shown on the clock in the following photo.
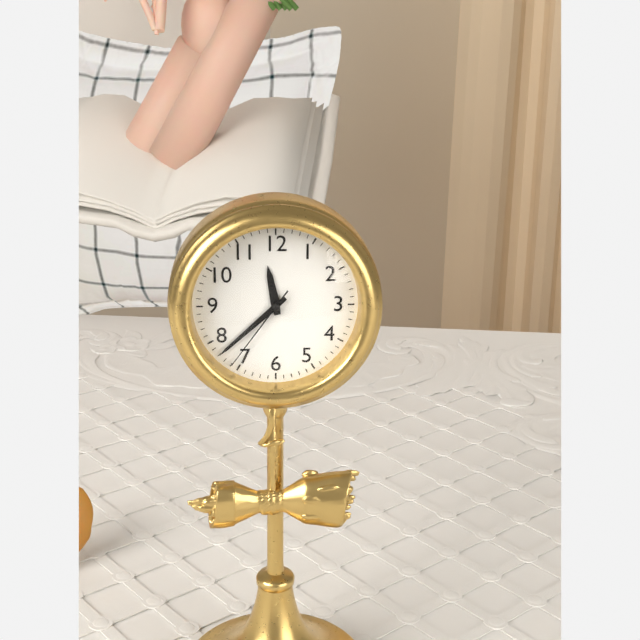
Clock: 11:38:36
